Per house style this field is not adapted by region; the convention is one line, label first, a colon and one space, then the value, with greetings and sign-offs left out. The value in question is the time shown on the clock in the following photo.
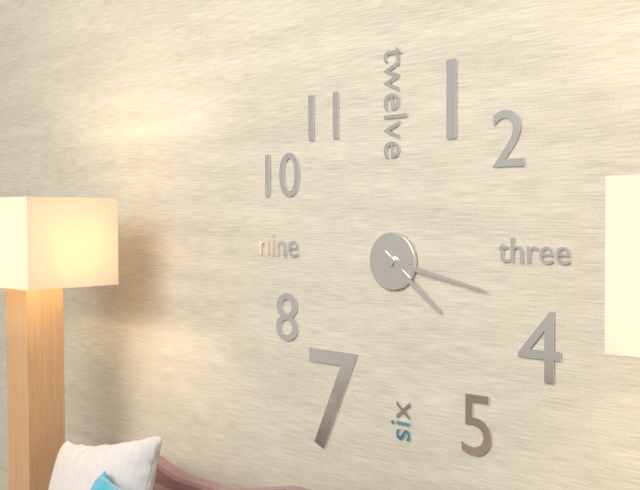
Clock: 4:17
